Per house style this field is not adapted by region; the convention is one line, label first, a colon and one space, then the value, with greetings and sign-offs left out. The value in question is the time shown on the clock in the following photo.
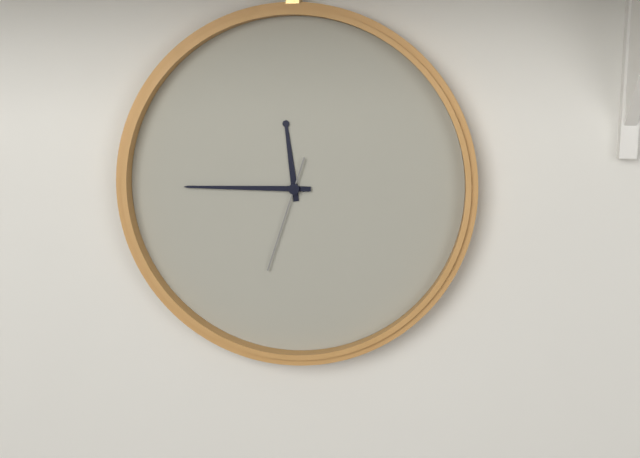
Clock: 11:45:33
